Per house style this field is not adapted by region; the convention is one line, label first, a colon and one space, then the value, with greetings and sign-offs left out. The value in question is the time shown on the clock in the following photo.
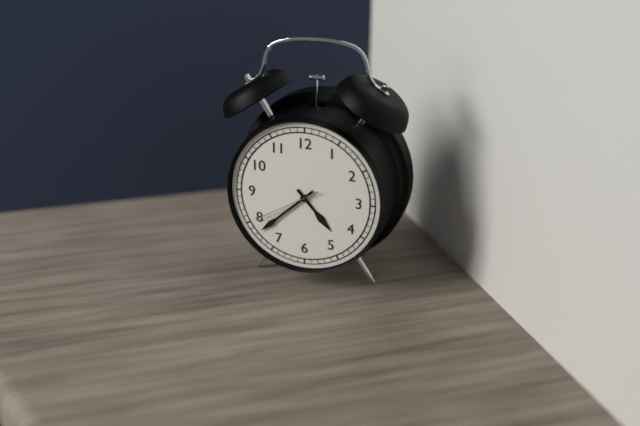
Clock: 4:38:40
